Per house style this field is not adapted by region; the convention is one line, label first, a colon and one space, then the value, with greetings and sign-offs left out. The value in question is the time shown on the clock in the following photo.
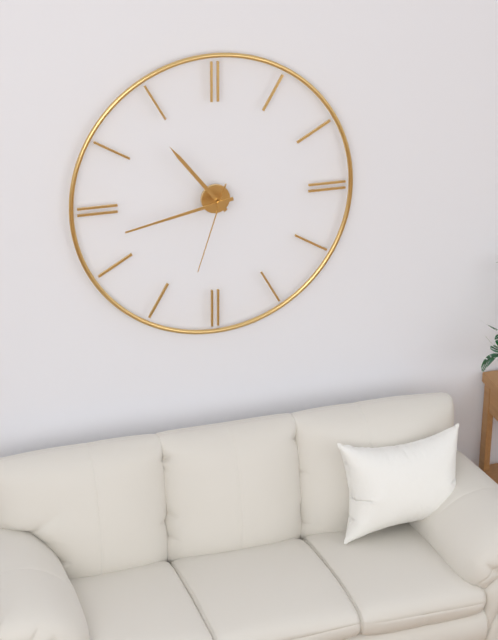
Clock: 10:43:33
